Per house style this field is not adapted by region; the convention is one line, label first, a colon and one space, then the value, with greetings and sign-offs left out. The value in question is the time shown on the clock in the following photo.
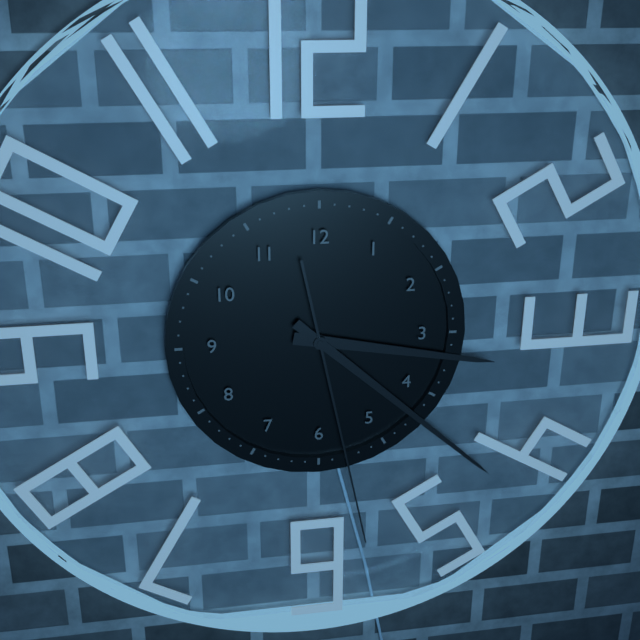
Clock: 3:22:28
